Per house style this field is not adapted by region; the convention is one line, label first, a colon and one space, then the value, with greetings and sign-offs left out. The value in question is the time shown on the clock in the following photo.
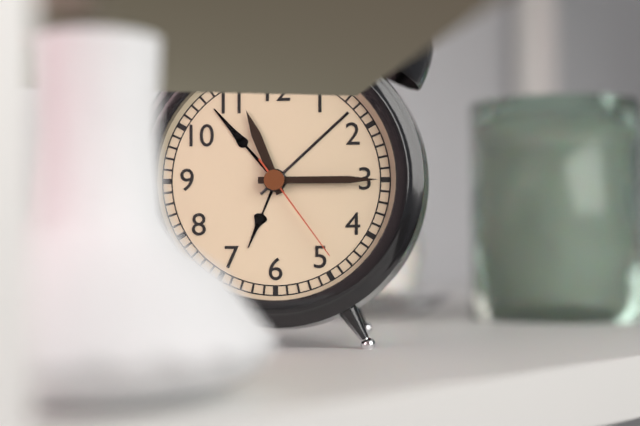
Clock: 11:15:24
